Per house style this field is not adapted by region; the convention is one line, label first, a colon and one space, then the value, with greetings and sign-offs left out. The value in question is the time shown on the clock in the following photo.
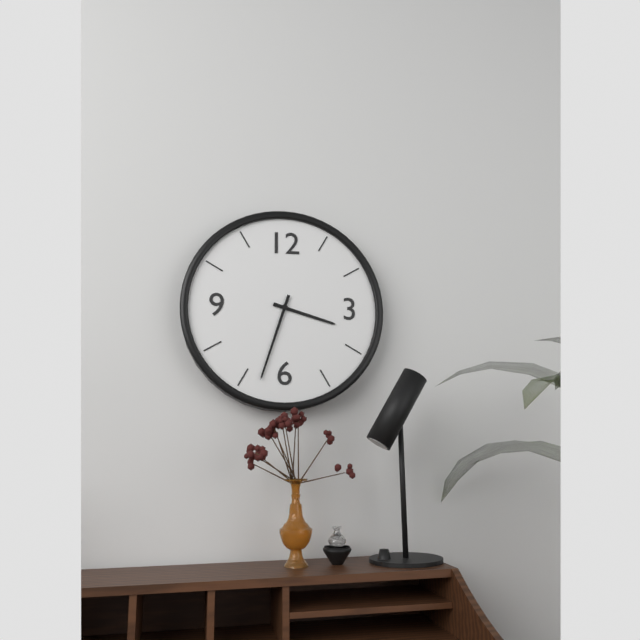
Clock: 3:33
